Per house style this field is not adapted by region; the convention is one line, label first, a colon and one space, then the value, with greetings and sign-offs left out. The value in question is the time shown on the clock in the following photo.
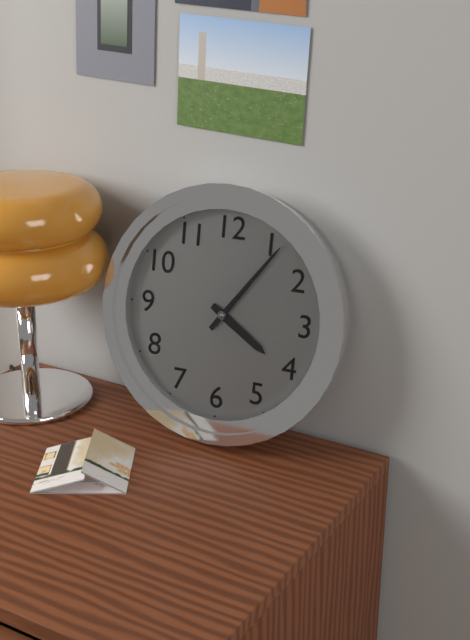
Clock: 4:06
